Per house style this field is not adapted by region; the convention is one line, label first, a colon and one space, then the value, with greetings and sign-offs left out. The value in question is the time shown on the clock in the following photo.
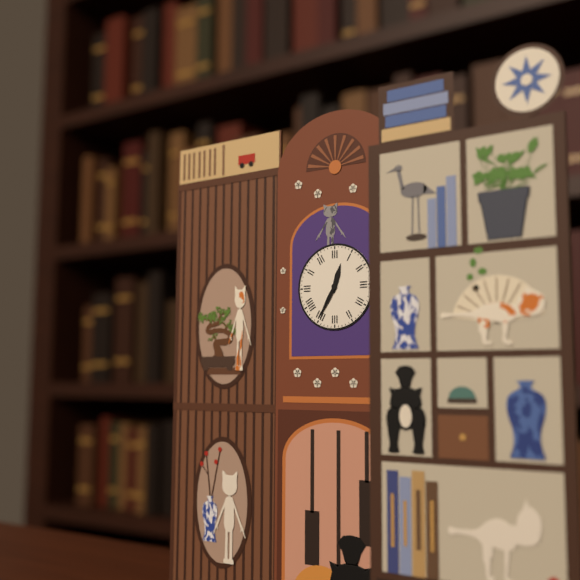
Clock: 12:35
